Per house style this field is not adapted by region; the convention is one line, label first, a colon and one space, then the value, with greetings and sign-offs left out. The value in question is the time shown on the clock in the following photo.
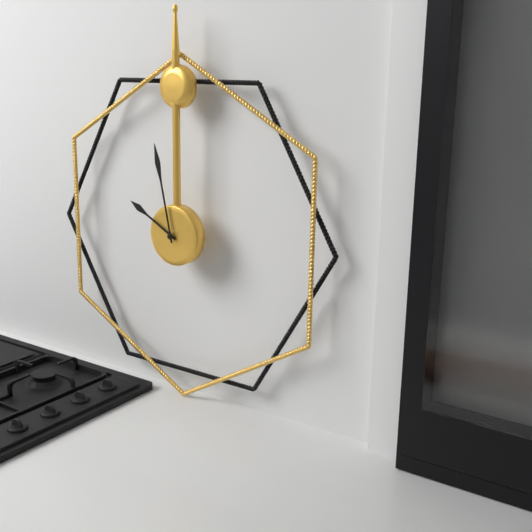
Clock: 9:58
